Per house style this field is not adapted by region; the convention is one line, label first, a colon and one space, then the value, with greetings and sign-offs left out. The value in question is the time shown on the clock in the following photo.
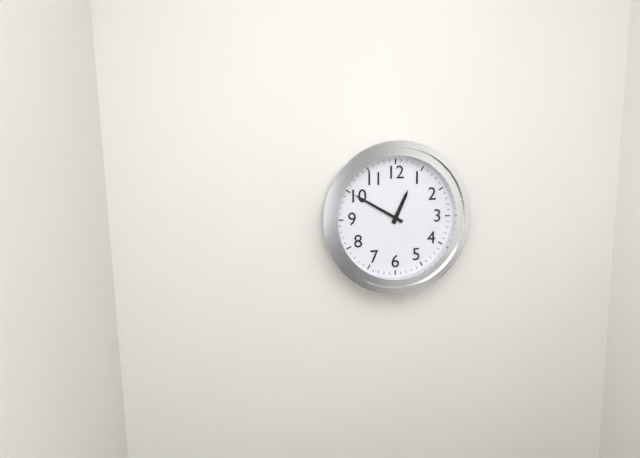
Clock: 12:50
